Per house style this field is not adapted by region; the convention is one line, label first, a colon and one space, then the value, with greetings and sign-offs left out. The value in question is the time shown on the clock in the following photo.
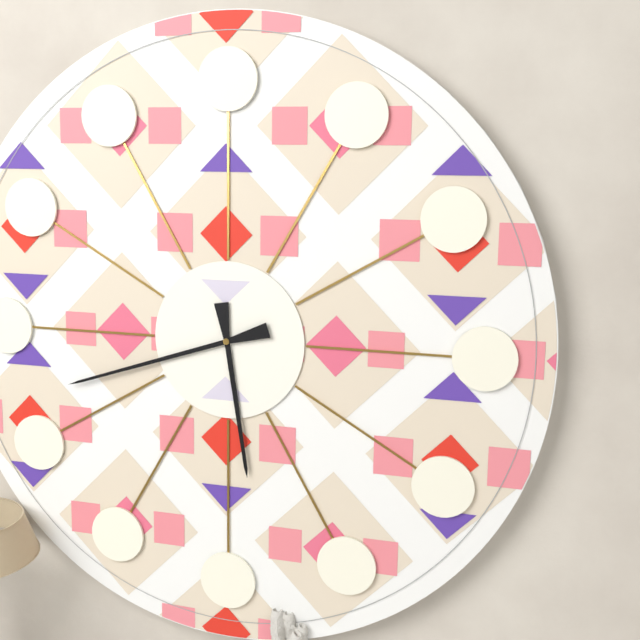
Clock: 5:42
